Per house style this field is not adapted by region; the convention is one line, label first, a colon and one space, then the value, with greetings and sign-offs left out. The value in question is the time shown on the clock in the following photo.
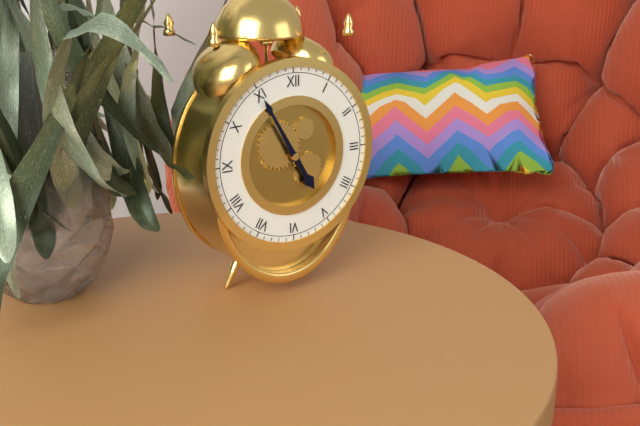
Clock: 4:55
